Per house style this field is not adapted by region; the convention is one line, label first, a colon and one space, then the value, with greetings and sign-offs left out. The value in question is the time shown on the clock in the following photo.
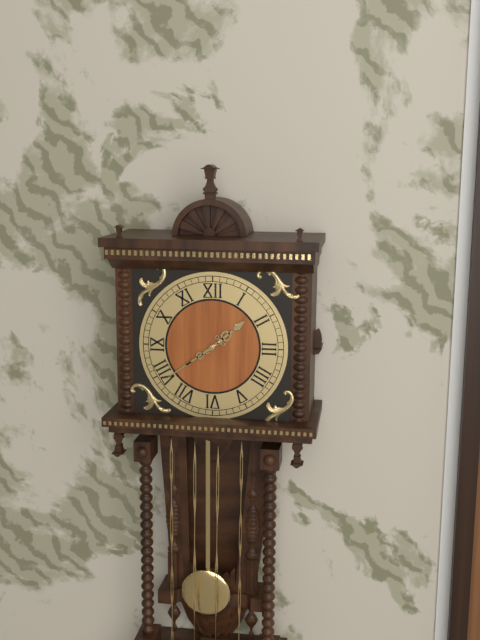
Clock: 1:39
